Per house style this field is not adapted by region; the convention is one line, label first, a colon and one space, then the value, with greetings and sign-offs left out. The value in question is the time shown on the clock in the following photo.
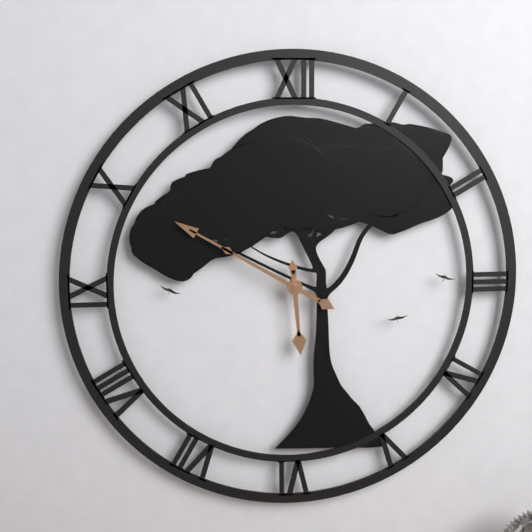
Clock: 5:50
